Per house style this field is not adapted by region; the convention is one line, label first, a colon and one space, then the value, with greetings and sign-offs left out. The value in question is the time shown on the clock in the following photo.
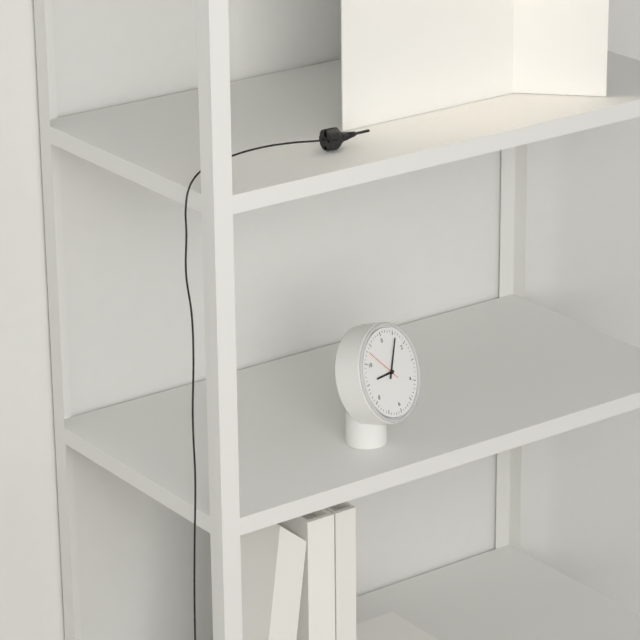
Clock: 9:06
